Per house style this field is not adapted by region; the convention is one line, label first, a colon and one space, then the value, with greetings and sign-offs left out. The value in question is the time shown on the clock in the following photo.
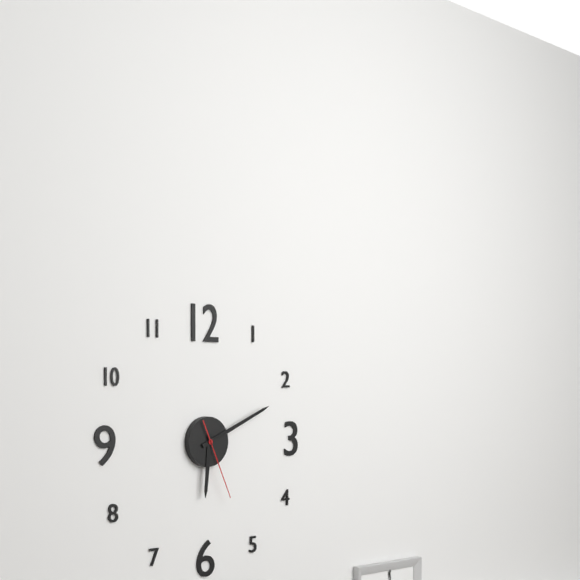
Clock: 6:11:26
